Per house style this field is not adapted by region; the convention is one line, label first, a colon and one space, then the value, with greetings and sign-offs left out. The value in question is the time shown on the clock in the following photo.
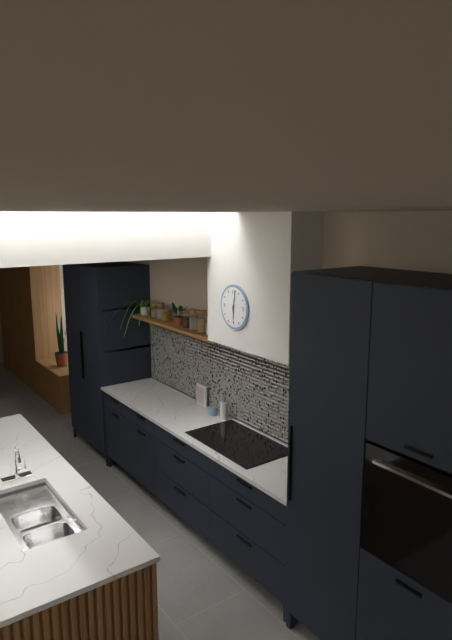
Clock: 6:02
